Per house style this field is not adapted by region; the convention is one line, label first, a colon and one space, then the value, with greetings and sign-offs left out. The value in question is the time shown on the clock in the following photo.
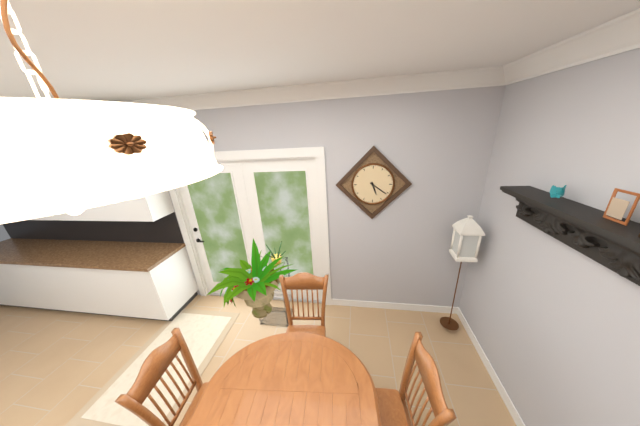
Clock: 5:21
